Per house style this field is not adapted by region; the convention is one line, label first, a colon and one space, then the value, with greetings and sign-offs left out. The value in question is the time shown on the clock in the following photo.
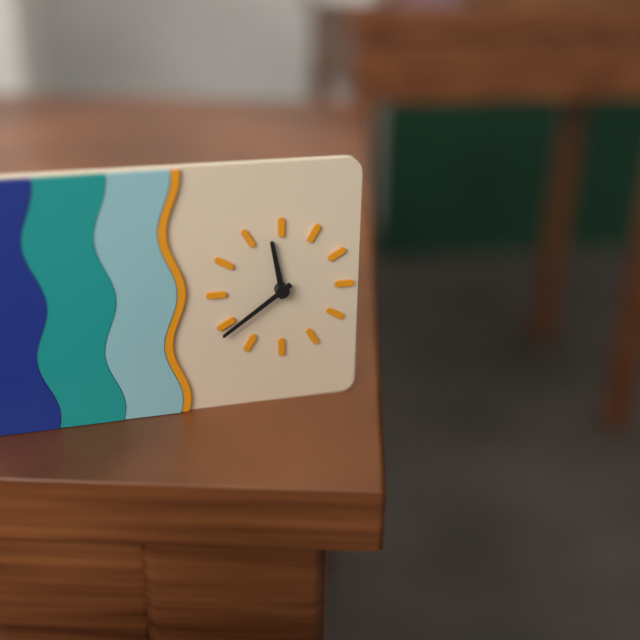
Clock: 11:39
